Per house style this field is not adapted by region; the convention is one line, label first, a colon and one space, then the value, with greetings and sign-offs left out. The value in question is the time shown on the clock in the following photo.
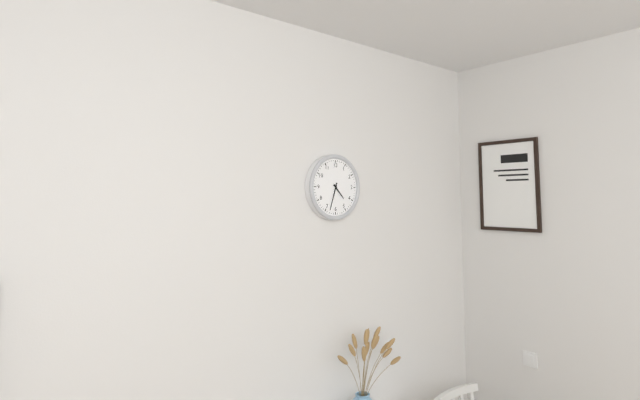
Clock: 4:33
